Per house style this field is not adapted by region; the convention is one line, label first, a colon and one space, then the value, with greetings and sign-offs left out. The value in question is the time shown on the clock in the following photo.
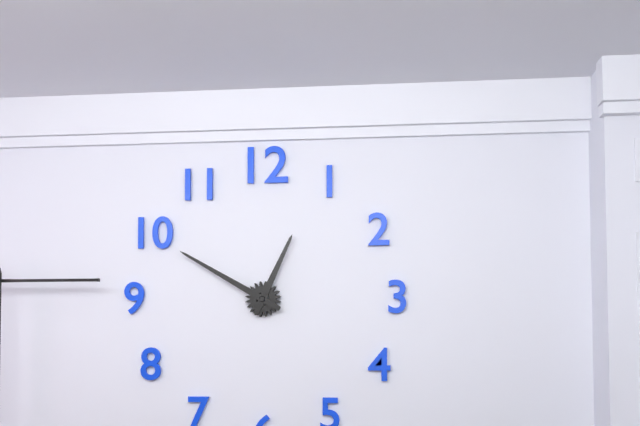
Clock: 12:50
